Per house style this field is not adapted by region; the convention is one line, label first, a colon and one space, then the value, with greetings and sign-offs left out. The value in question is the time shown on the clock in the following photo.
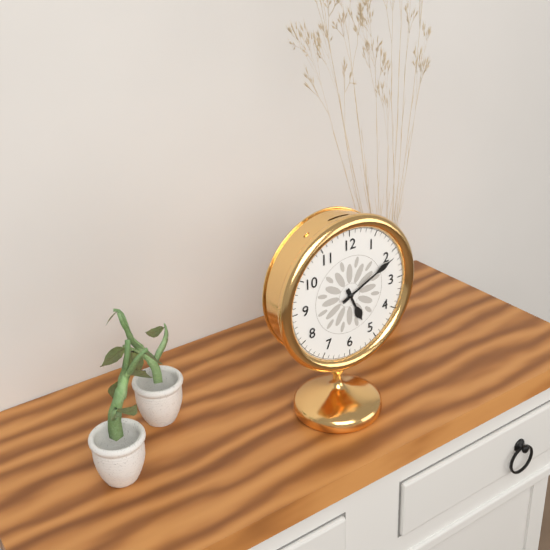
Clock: 5:11
